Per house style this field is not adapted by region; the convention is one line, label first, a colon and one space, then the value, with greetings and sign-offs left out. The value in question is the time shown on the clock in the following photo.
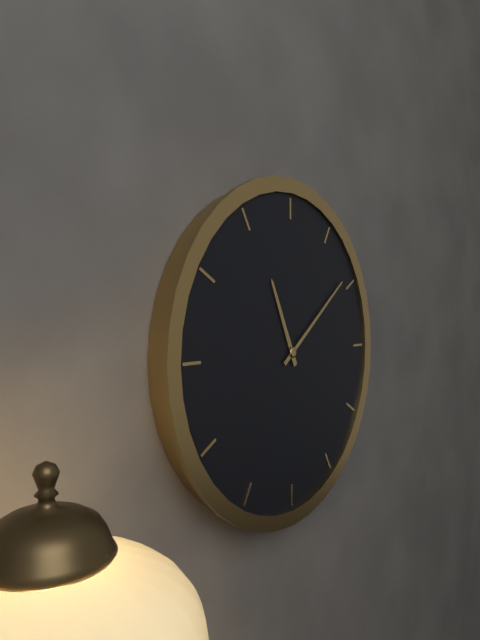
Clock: 11:09
